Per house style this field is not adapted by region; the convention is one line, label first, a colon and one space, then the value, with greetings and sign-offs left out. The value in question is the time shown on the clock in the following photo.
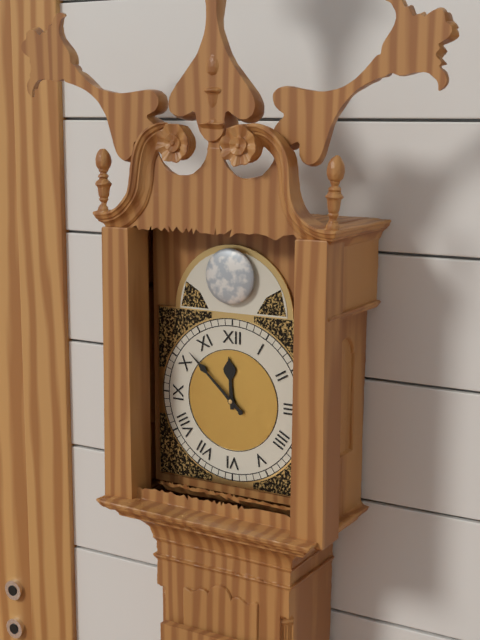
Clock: 11:52
